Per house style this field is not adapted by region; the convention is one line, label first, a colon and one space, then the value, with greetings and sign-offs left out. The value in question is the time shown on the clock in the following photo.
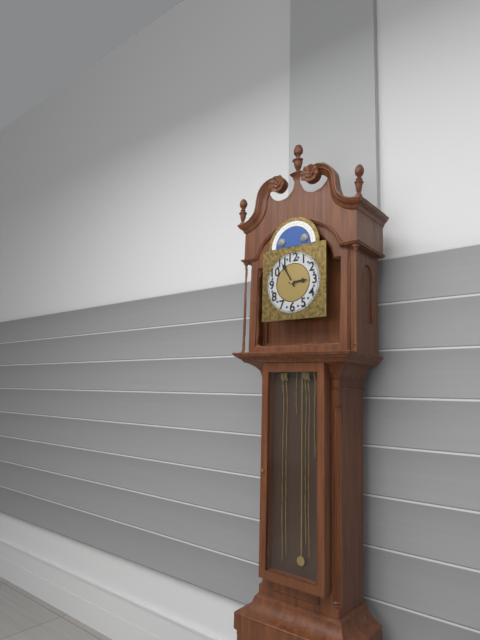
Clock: 2:55
